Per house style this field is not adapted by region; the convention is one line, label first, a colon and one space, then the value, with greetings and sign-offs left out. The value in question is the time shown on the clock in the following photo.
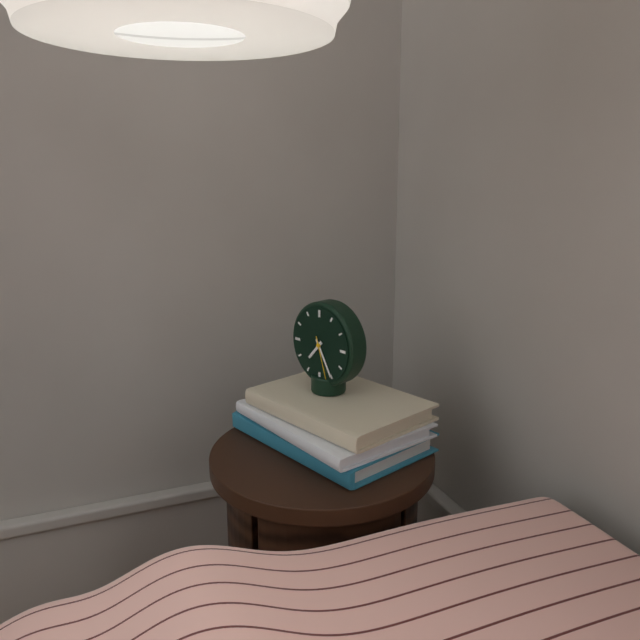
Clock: 7:25
